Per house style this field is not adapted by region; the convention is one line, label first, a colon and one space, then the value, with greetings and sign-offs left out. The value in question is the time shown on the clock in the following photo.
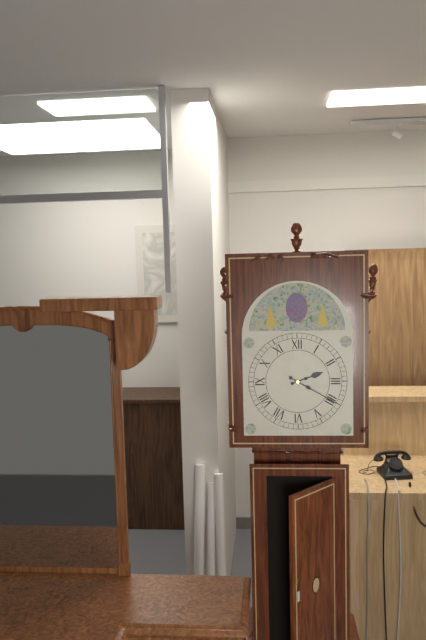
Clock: 2:20
